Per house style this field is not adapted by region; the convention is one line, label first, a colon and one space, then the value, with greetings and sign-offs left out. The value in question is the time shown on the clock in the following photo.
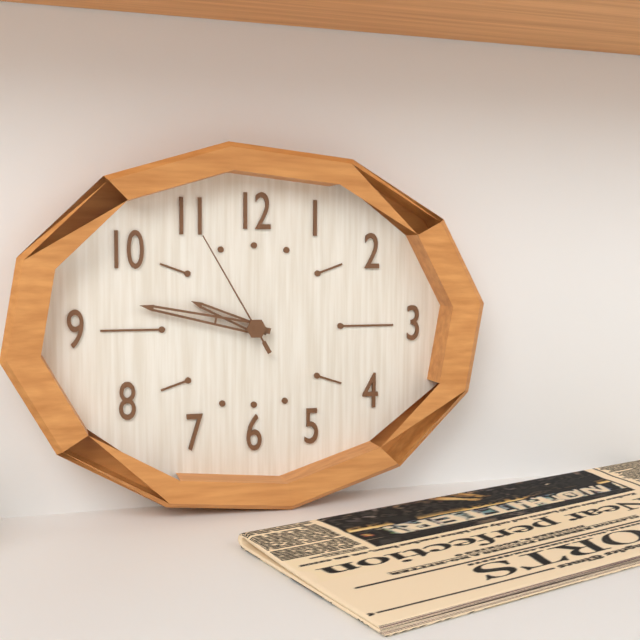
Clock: 9:47:55
